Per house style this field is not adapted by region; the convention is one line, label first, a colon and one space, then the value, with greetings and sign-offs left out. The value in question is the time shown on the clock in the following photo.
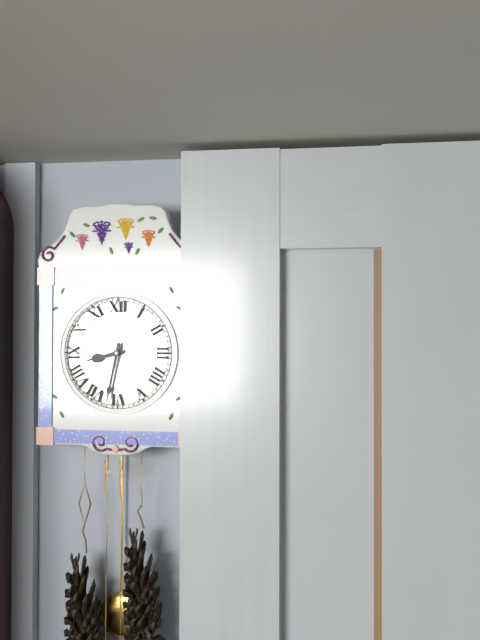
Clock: 8:32
